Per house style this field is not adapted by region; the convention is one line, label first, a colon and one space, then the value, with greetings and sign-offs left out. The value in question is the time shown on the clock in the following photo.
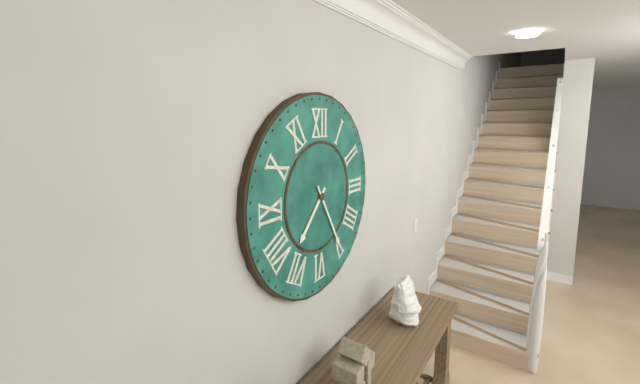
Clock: 7:25
